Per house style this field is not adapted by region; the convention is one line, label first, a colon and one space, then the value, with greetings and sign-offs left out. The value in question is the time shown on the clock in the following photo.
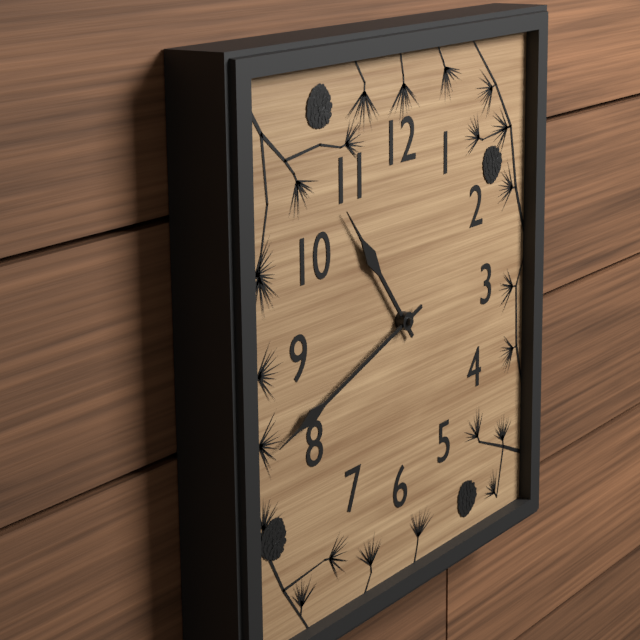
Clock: 10:42
